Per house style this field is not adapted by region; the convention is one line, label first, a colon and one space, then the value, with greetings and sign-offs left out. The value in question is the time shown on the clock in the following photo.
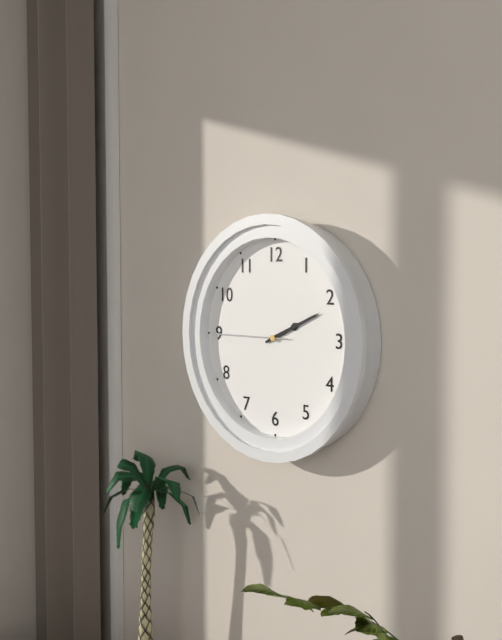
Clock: 2:11:45
